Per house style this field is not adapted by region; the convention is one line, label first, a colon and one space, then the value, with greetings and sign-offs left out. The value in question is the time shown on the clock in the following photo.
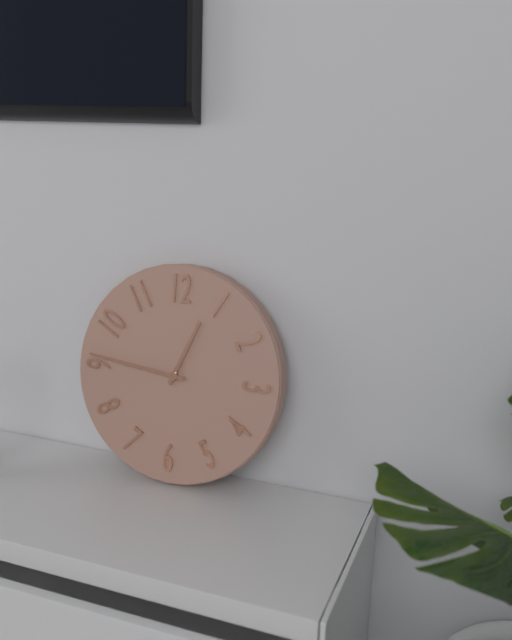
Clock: 12:46
